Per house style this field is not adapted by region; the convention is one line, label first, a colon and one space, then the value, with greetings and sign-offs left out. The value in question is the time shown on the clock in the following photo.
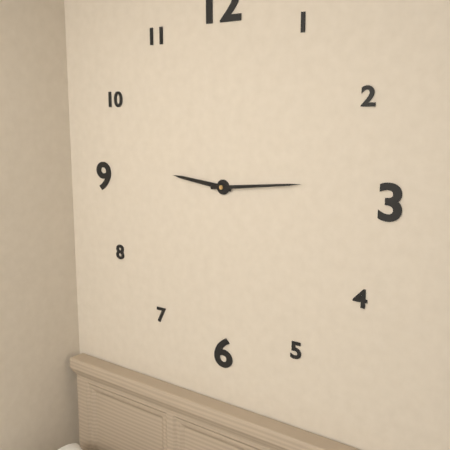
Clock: 9:14
